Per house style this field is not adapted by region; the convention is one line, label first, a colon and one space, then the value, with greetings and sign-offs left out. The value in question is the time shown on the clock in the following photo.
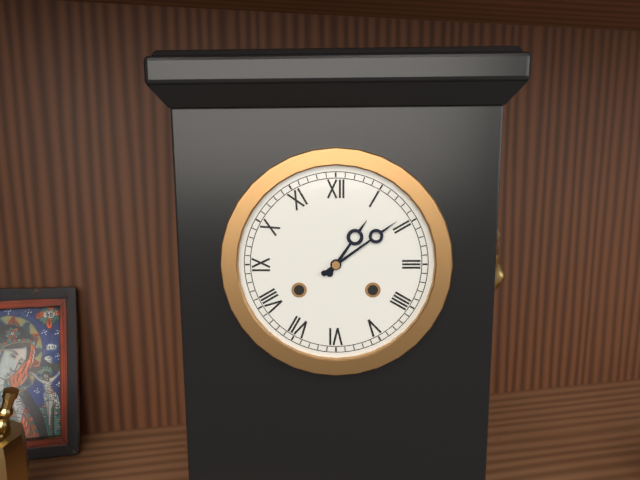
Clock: 1:09
